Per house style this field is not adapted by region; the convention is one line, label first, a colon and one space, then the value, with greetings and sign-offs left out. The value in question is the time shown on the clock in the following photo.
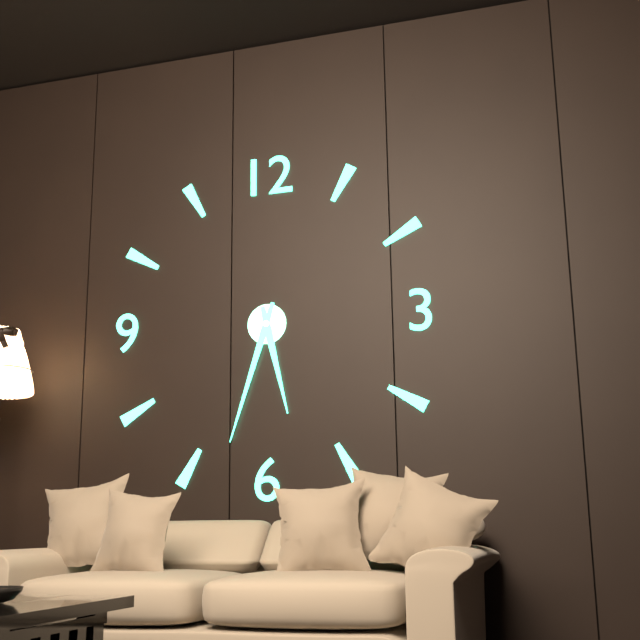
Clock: 5:33
